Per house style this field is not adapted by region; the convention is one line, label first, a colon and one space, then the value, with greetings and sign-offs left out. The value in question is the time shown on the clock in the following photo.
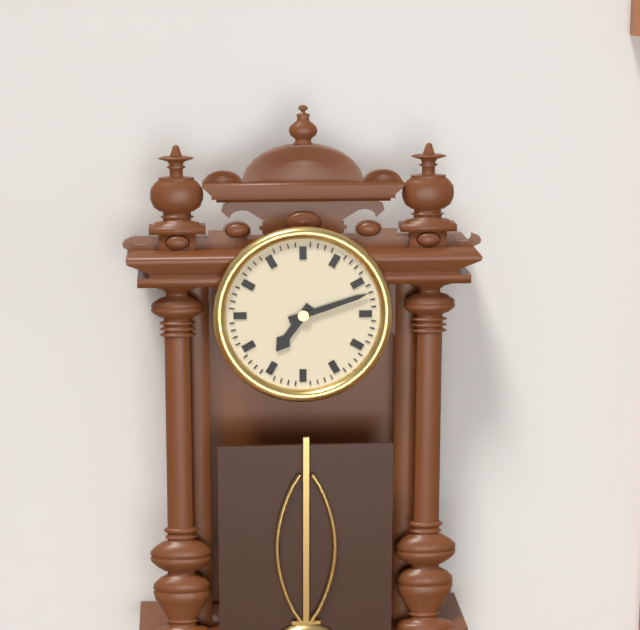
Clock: 7:12
